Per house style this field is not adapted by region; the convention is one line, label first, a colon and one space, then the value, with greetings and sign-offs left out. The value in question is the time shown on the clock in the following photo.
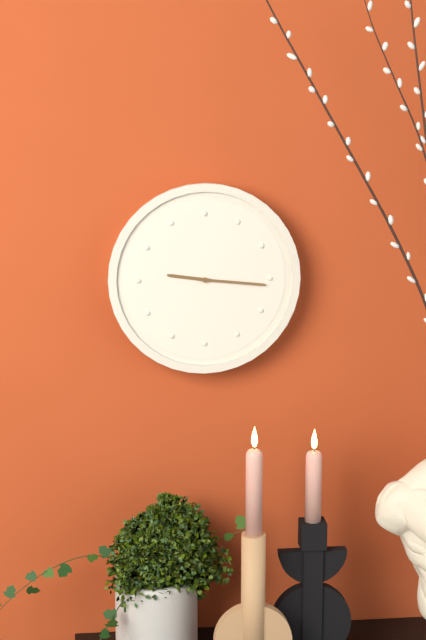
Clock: 9:16
